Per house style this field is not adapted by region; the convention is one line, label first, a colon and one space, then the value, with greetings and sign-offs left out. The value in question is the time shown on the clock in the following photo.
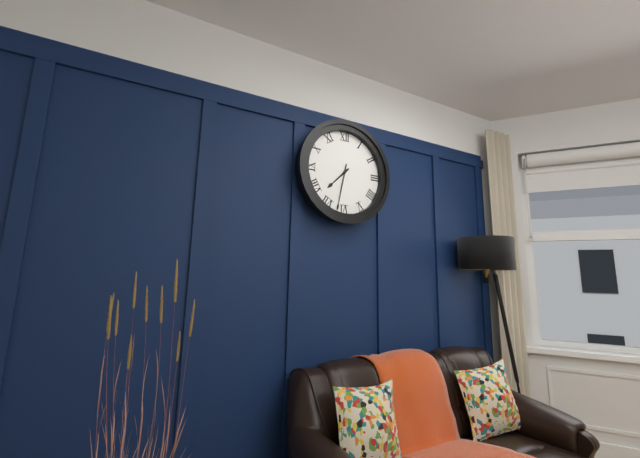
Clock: 7:32
